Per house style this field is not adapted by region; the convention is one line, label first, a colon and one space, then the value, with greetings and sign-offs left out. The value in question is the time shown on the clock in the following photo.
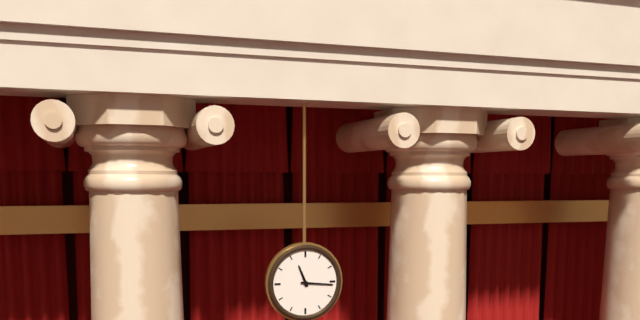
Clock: 11:16
